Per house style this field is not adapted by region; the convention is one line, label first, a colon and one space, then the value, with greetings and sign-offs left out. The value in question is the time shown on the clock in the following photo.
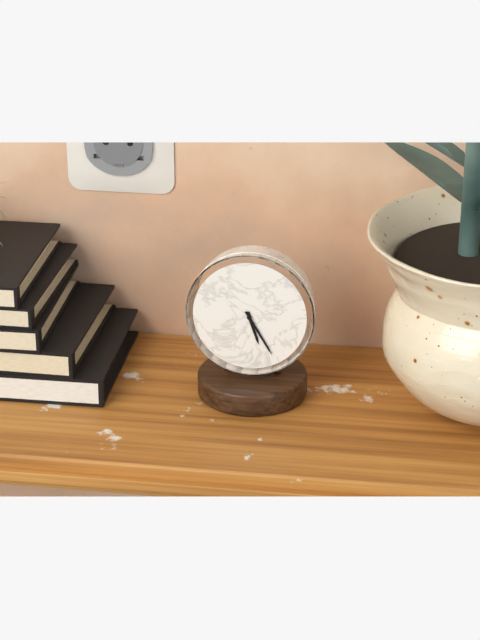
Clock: 5:25
